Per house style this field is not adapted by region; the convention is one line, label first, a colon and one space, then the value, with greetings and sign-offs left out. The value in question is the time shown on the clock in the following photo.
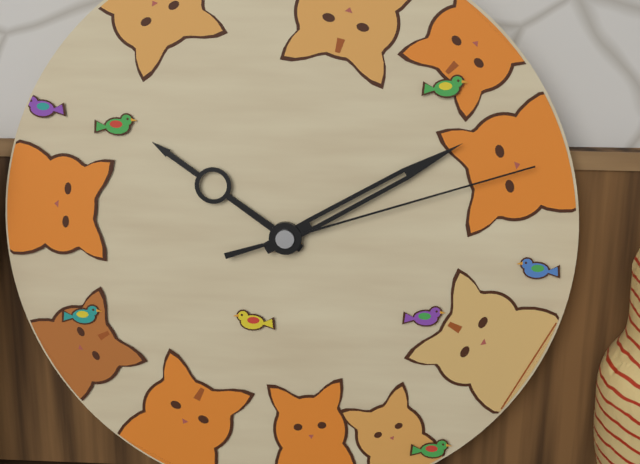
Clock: 10:10:12
